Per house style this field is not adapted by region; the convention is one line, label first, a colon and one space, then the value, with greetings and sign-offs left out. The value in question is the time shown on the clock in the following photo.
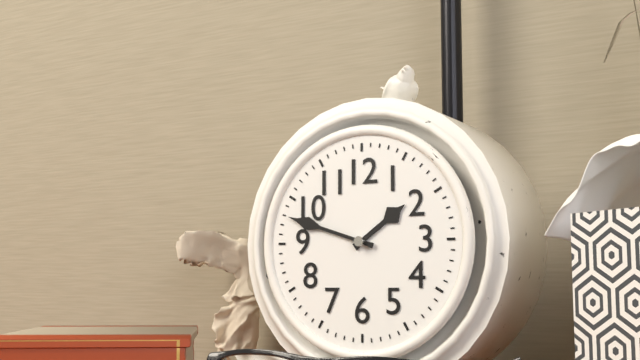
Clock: 1:48
